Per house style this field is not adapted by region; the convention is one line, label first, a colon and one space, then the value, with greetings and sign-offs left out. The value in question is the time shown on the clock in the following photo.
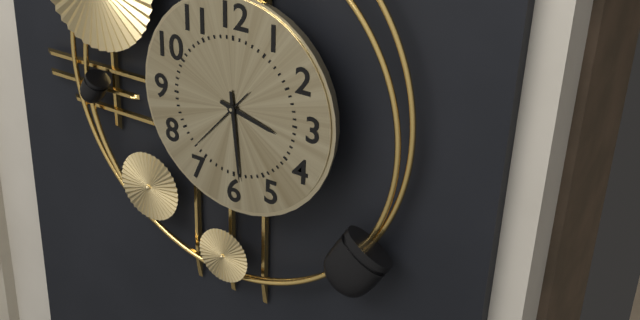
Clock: 3:29:37
